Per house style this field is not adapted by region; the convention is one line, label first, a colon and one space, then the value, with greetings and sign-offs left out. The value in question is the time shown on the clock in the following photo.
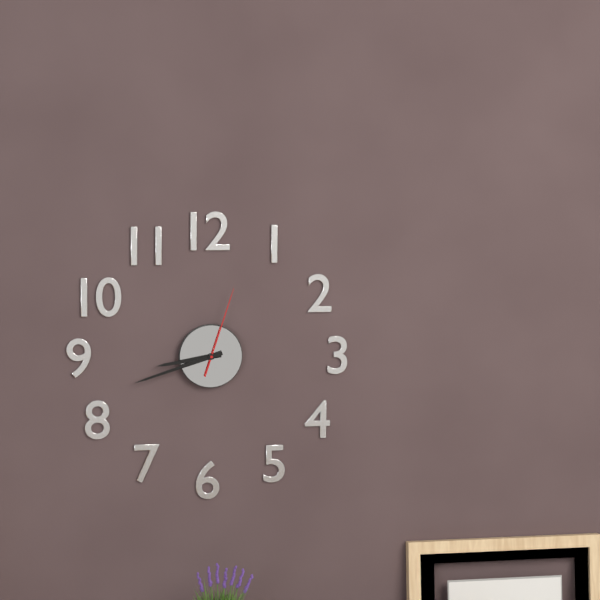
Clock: 8:42:03
